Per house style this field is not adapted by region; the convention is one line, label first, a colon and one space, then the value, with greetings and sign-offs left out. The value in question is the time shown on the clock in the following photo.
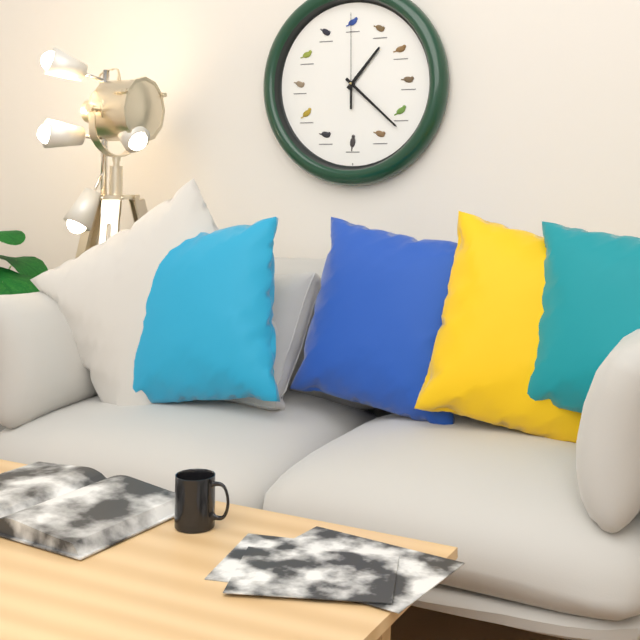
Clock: 1:22:00
